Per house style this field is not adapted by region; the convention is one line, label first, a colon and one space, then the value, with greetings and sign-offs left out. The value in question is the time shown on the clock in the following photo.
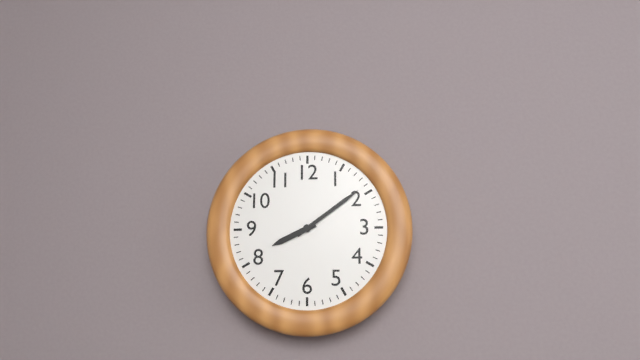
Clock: 8:09
